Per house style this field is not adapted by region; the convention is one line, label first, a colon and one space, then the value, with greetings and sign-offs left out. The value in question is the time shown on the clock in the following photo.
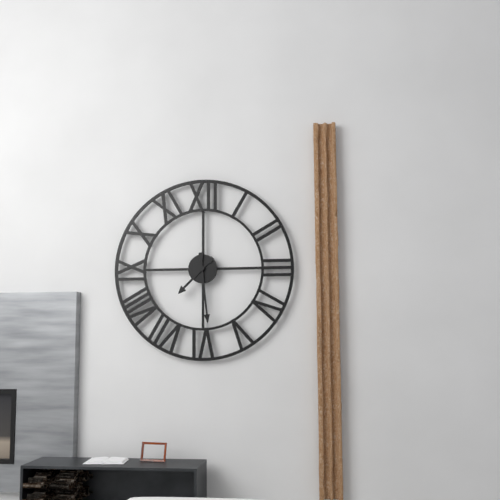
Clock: 7:29
